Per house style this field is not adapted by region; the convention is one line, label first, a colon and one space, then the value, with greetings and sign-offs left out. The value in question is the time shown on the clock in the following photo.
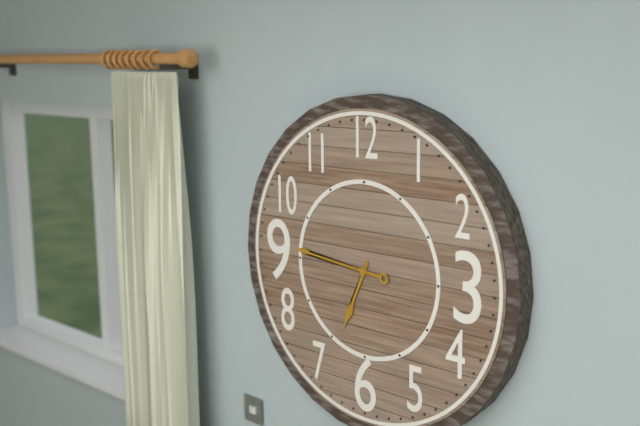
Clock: 6:46
